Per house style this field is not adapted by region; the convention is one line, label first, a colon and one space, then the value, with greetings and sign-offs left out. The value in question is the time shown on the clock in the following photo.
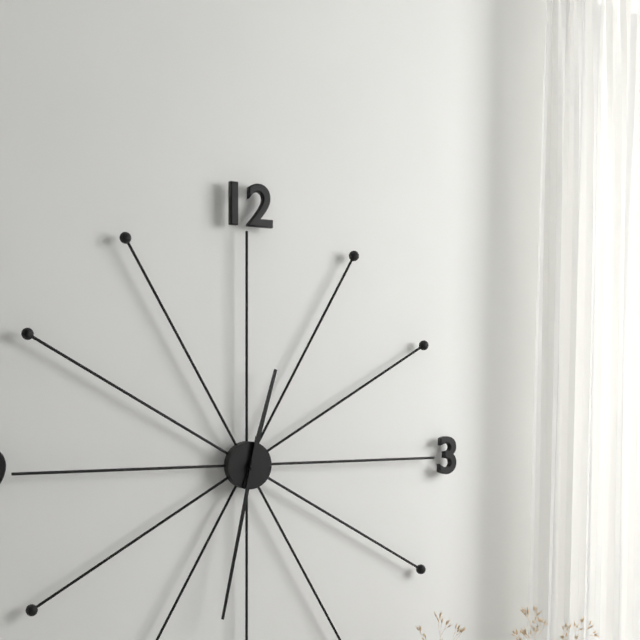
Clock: 12:32
